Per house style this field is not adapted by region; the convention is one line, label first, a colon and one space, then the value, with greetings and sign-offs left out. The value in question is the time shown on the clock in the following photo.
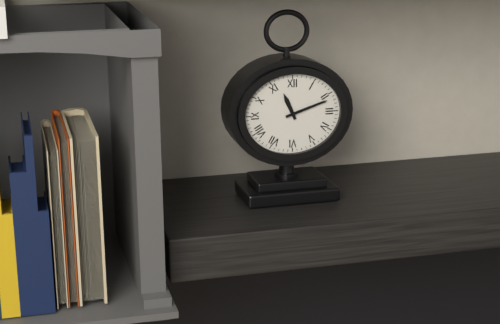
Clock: 11:12
